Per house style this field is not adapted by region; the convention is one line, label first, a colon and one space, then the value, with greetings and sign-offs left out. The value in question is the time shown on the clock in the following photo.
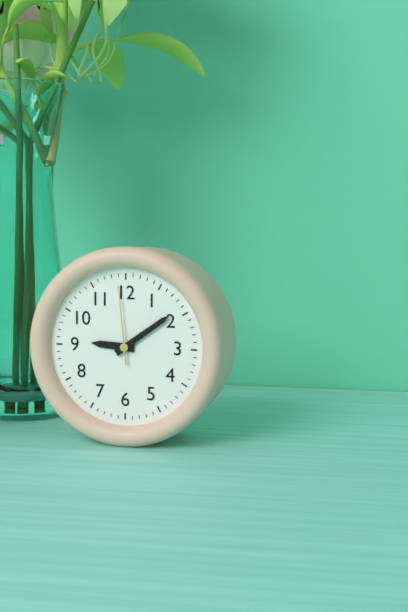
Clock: 9:09:59
